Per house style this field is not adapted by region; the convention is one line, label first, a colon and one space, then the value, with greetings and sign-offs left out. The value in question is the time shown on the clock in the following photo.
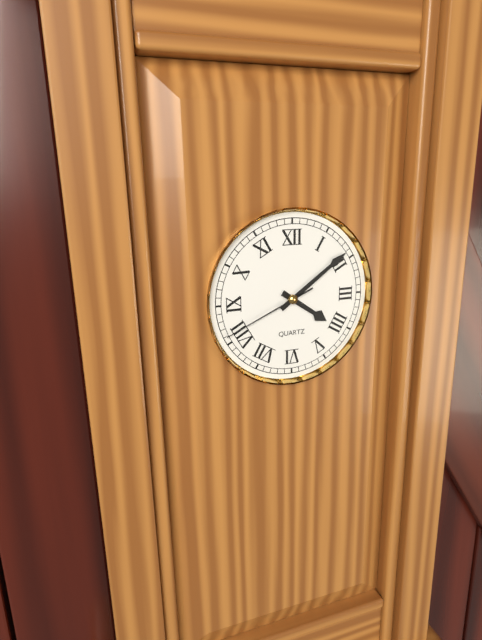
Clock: 4:09:41
